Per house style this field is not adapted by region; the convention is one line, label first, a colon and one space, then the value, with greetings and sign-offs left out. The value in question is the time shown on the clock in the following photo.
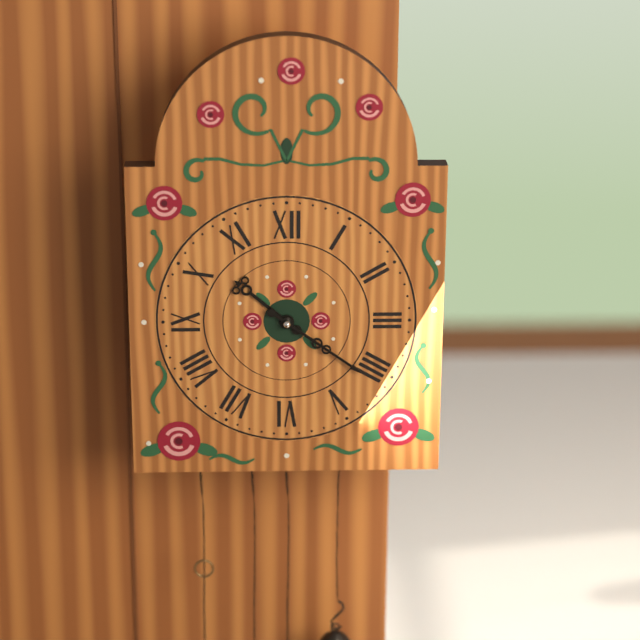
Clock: 10:21
